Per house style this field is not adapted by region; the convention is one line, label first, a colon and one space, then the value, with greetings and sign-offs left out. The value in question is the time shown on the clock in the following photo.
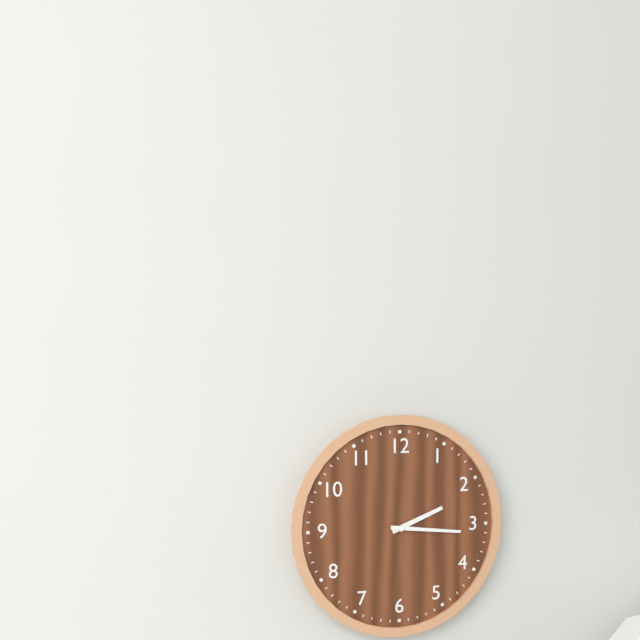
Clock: 2:16
